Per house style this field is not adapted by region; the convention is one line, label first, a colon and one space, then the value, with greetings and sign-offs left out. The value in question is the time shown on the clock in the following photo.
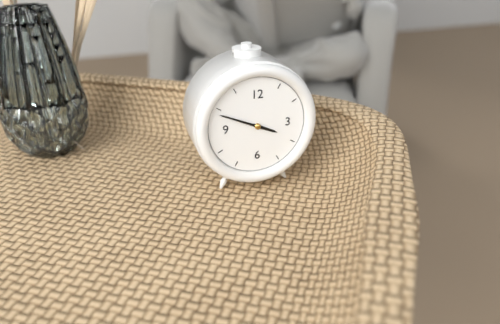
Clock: 3:49
